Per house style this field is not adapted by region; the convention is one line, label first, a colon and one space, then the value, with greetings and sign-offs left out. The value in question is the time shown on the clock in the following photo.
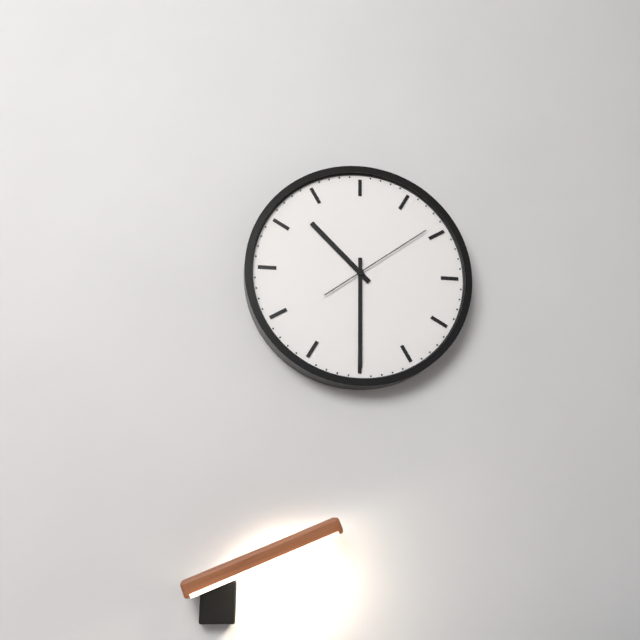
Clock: 10:30:09
